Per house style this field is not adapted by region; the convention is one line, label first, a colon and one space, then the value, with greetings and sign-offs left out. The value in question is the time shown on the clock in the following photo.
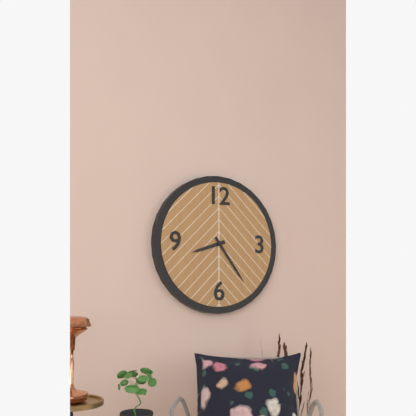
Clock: 8:24
